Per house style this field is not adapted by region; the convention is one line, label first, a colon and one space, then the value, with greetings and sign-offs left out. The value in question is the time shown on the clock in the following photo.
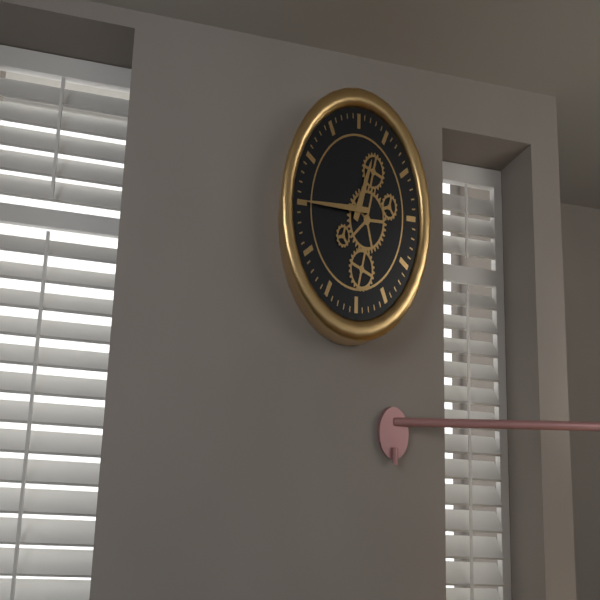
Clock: 12:45
